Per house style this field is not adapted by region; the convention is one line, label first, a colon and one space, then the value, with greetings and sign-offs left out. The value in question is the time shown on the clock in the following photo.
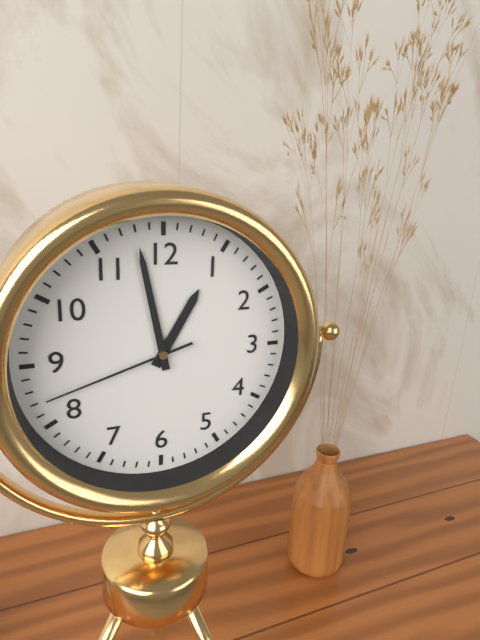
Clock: 12:58:42
